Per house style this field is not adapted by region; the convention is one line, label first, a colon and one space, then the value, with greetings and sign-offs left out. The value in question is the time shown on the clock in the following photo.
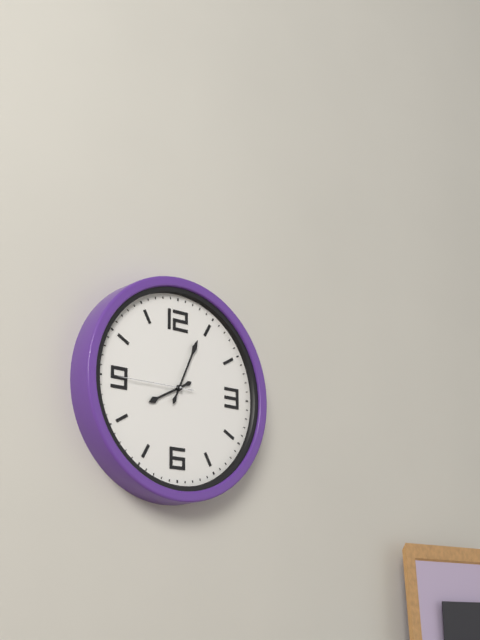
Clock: 8:04:45
